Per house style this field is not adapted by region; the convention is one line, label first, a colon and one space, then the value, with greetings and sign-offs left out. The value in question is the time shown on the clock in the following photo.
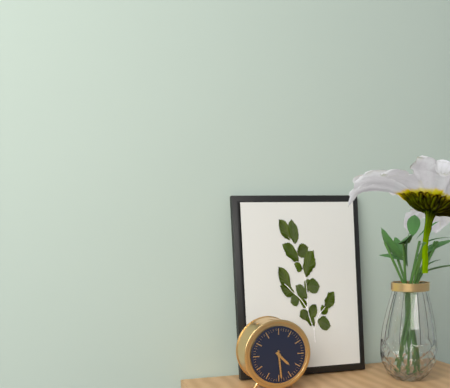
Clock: 4:29
